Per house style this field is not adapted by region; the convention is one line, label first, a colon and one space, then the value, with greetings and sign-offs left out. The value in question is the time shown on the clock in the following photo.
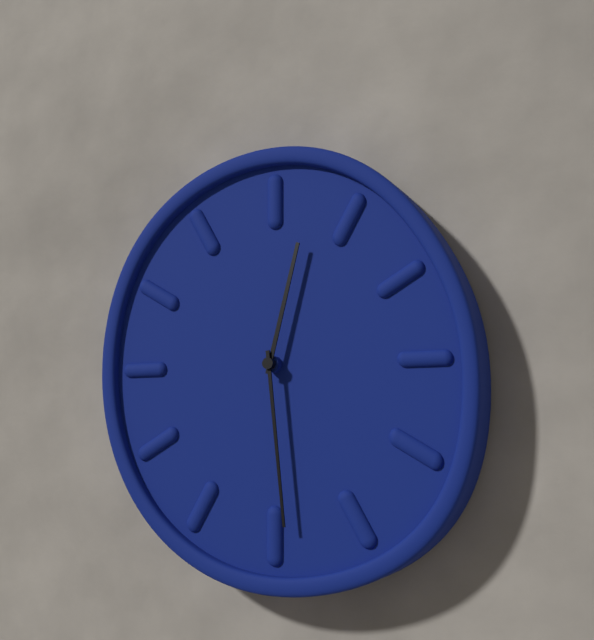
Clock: 12:29
